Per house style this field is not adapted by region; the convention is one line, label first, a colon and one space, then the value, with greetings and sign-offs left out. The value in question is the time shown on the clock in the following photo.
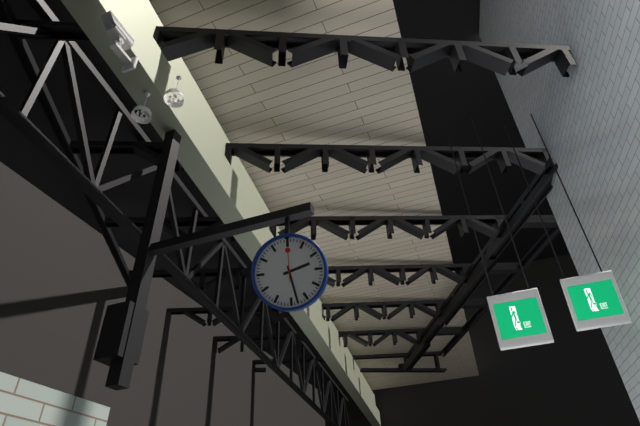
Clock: 2:28
